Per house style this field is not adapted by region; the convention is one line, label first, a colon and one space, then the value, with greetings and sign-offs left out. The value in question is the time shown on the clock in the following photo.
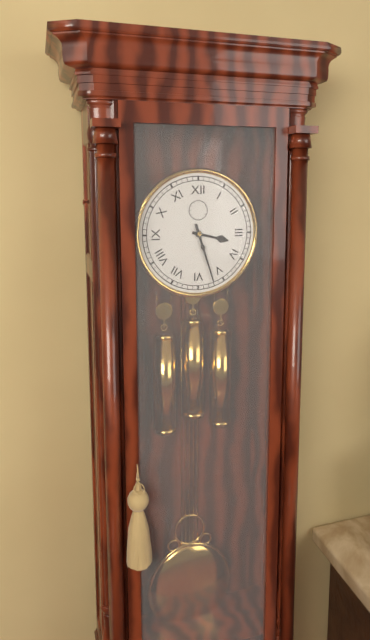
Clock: 3:27
